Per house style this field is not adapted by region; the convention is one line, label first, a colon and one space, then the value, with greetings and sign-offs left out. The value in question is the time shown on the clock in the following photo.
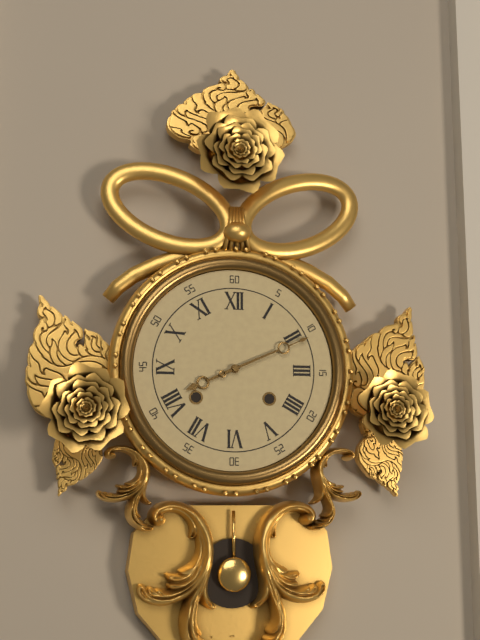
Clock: 8:11
